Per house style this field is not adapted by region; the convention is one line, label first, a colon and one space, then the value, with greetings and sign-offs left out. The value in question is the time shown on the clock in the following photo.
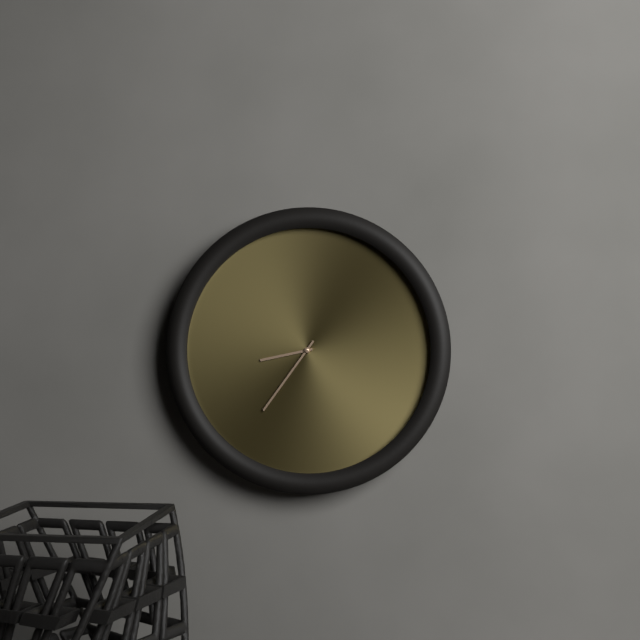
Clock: 8:36
